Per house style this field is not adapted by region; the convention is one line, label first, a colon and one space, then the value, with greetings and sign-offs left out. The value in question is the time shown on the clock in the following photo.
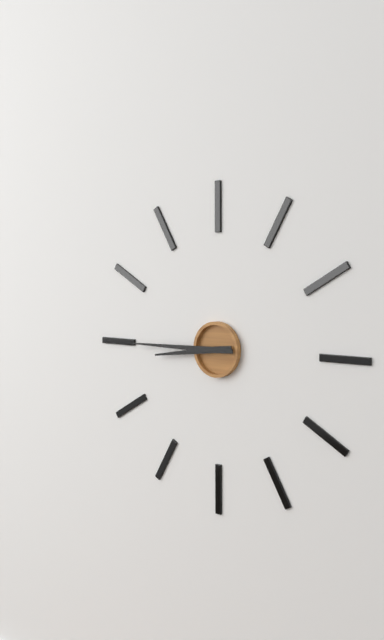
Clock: 8:45
